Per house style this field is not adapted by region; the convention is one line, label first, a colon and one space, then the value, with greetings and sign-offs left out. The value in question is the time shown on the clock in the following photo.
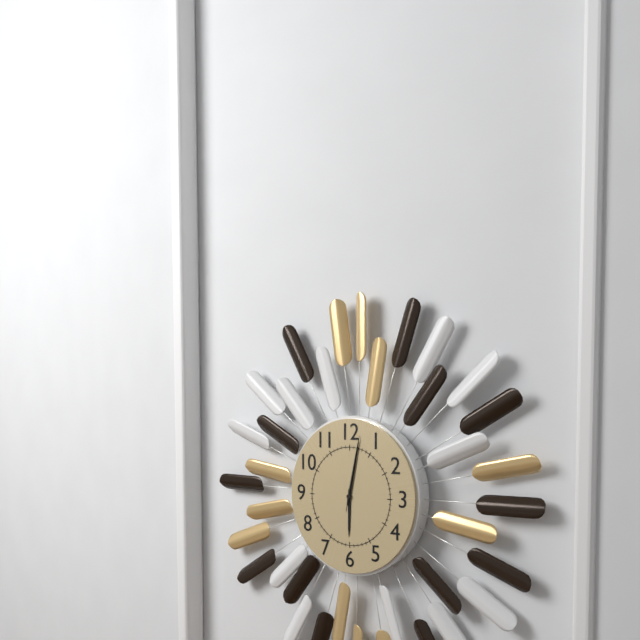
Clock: 6:02:02
